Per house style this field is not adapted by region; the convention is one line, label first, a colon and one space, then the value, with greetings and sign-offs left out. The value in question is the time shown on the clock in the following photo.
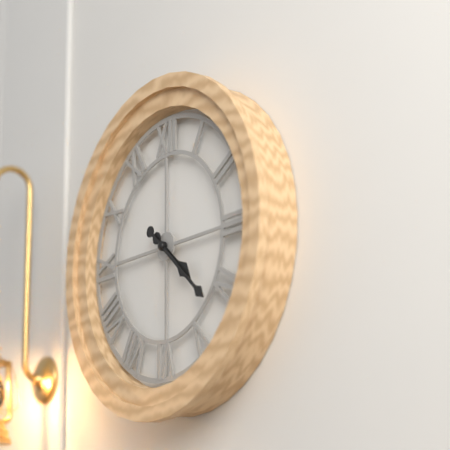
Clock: 4:22
